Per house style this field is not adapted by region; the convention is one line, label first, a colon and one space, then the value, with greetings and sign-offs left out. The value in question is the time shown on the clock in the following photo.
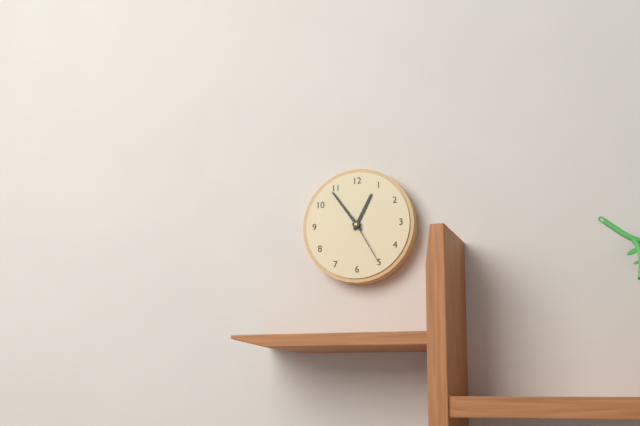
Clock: 12:54:25
